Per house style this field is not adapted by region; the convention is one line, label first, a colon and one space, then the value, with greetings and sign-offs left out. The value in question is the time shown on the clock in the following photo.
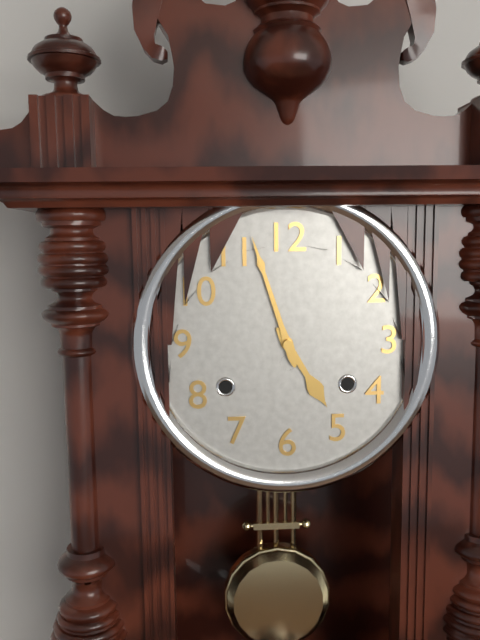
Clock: 4:57
